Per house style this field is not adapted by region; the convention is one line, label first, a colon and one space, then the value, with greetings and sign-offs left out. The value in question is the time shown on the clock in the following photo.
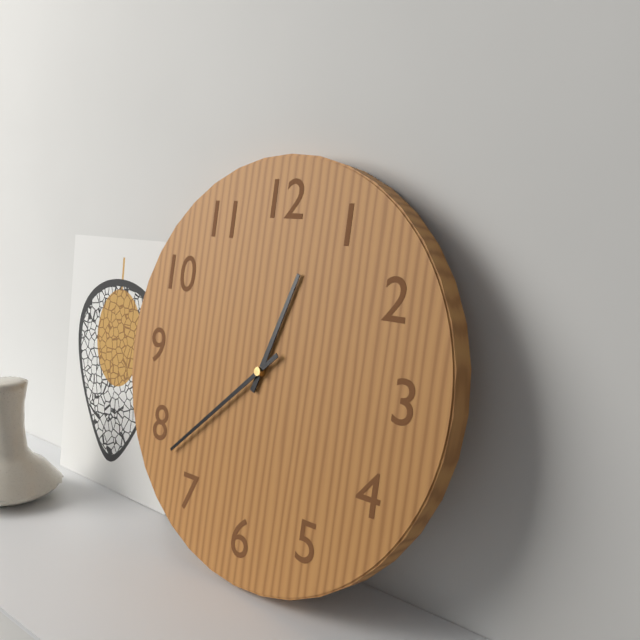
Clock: 12:38
